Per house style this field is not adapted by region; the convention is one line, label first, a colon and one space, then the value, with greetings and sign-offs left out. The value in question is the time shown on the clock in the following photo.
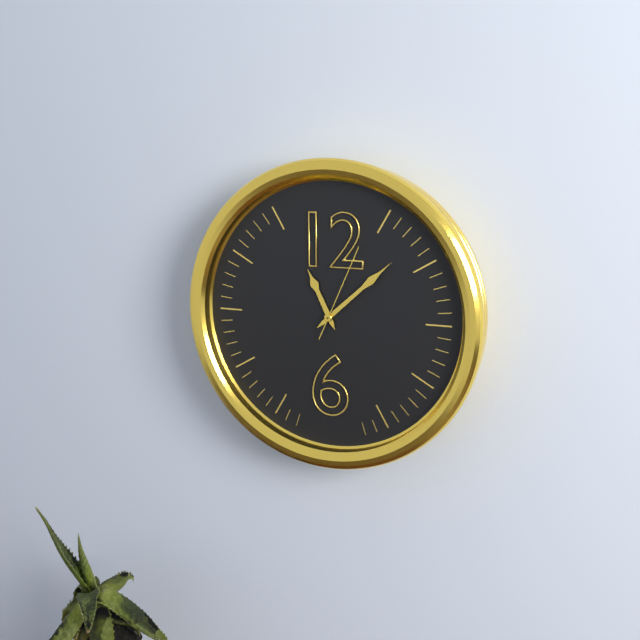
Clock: 11:08:04
